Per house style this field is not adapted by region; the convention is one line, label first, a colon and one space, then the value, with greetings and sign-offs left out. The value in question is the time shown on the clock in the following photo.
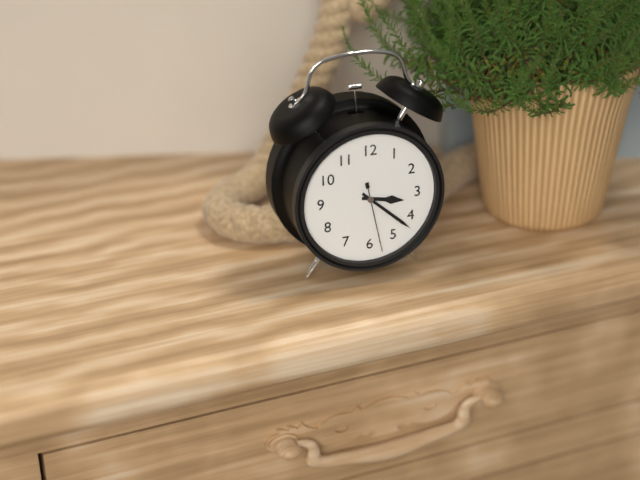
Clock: 3:22:28
